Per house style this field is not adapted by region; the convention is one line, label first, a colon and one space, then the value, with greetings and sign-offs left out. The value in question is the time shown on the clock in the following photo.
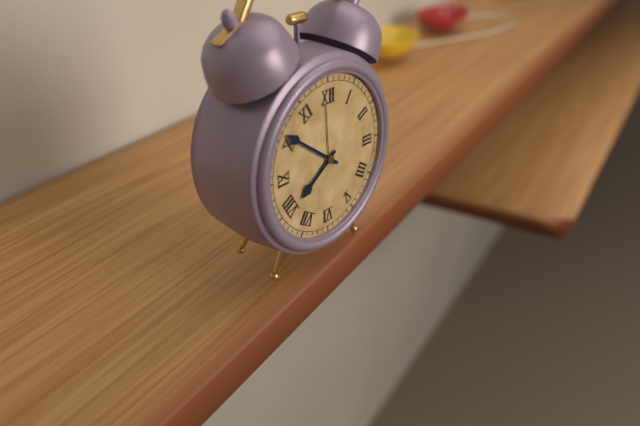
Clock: 7:51
